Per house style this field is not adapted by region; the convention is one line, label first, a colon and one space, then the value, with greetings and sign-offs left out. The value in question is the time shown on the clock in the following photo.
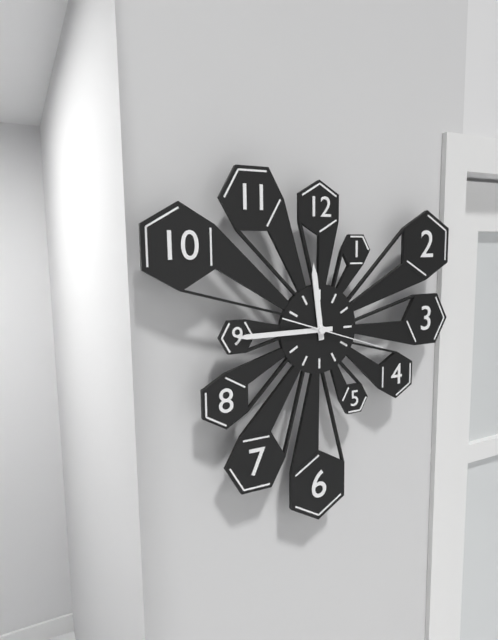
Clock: 11:45:18
